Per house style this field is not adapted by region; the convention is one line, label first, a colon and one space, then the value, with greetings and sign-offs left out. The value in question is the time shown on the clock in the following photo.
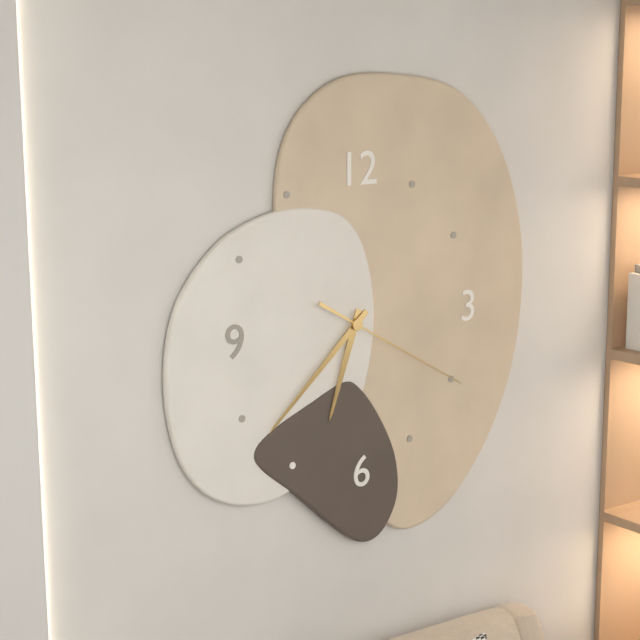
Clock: 6:38:20
